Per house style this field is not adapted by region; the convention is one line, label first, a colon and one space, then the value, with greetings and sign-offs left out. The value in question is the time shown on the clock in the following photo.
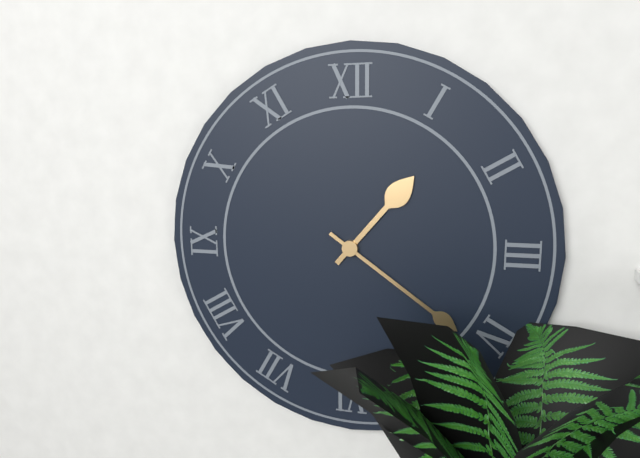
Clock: 1:21
